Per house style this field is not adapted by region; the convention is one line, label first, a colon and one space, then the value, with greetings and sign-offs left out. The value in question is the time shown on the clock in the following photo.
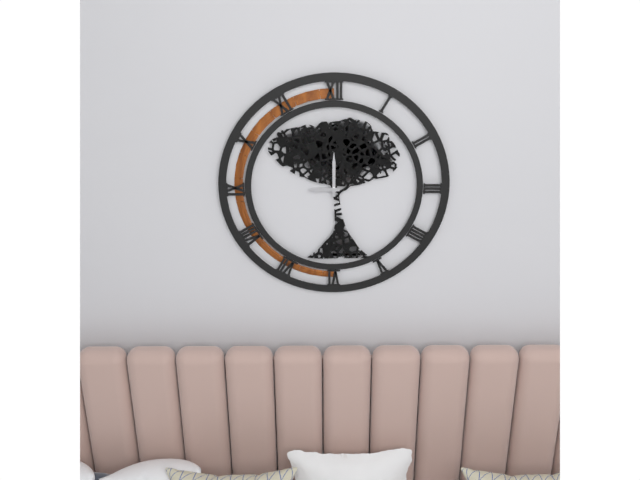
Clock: 9:00
